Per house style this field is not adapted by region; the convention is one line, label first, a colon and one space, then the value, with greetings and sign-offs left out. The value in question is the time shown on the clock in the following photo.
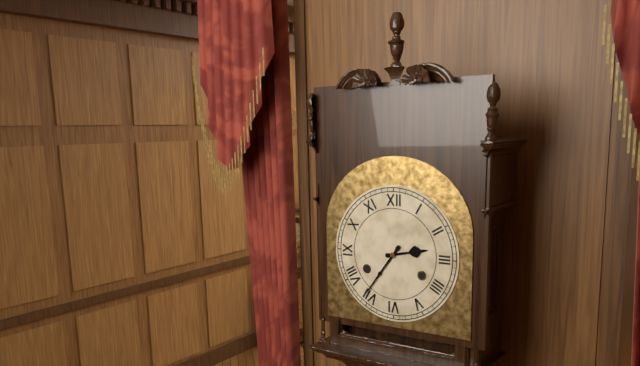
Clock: 2:36
